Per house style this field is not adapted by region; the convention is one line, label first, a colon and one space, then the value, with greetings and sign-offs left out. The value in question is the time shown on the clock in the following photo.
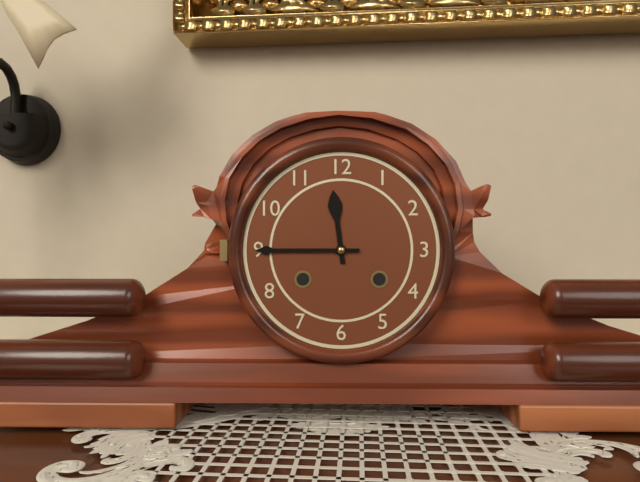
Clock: 11:45
